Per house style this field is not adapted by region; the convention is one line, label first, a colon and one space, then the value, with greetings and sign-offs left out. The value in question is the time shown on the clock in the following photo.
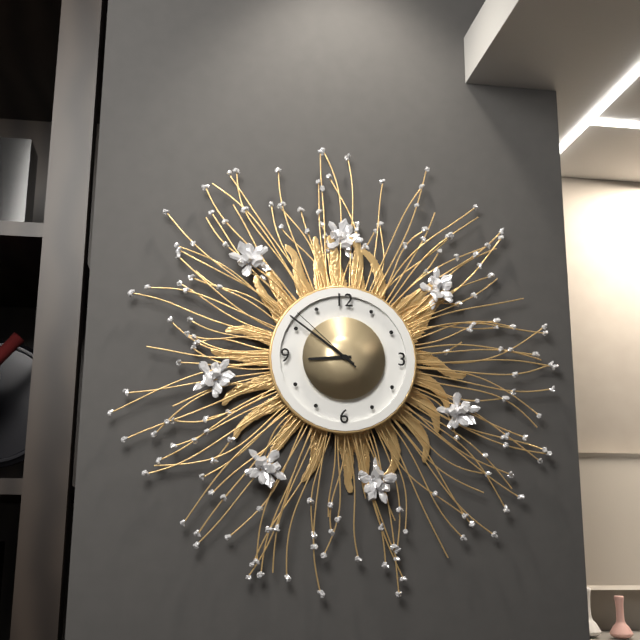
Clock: 8:51:52
